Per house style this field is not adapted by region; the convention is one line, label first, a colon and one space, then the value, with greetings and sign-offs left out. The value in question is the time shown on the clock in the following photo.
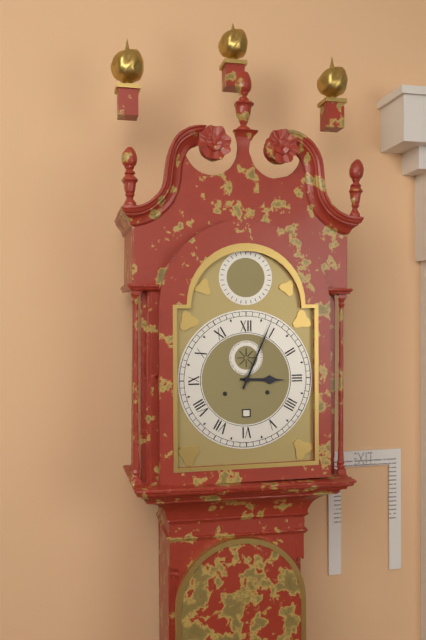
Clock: 3:04
